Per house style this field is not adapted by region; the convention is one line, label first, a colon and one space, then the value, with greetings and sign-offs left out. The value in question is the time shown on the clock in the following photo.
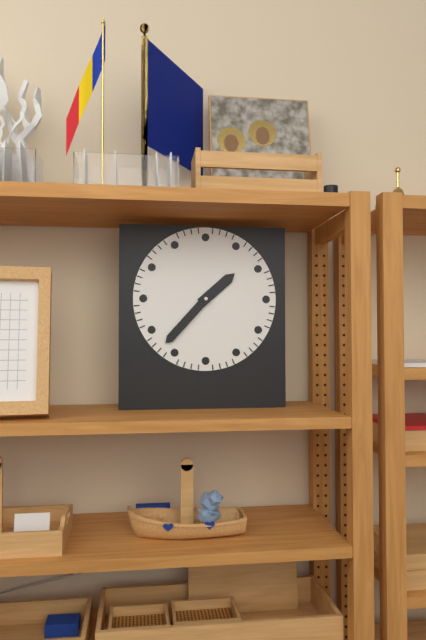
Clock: 1:37
